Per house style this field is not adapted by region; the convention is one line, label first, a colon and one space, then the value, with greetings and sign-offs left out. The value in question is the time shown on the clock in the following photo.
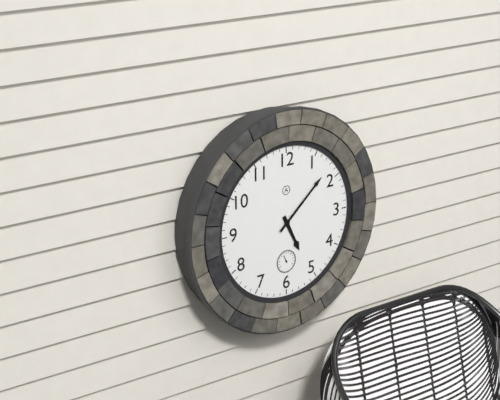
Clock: 5:08
